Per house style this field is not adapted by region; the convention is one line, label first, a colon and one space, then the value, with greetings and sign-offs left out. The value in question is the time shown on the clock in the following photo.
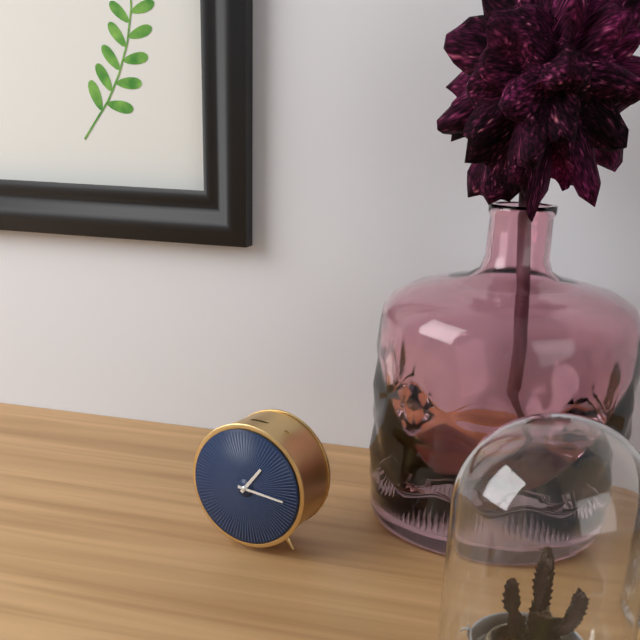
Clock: 1:16
